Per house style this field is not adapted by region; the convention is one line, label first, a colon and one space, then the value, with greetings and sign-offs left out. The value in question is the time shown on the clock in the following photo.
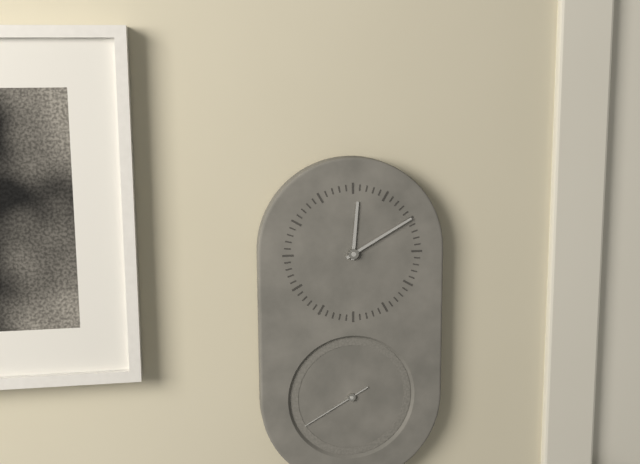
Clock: 12:10:40
